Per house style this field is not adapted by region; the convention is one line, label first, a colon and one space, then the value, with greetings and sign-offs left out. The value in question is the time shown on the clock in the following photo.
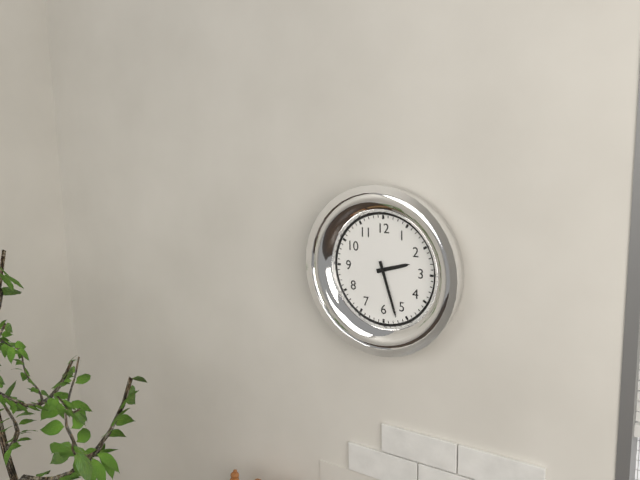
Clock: 2:27
